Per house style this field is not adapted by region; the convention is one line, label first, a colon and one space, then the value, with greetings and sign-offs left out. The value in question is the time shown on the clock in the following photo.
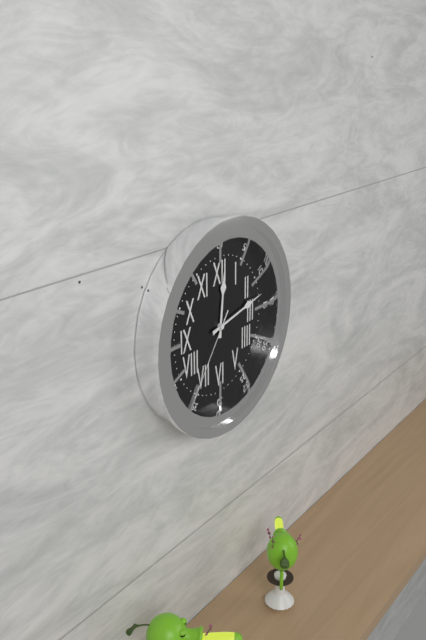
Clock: 12:13:36
